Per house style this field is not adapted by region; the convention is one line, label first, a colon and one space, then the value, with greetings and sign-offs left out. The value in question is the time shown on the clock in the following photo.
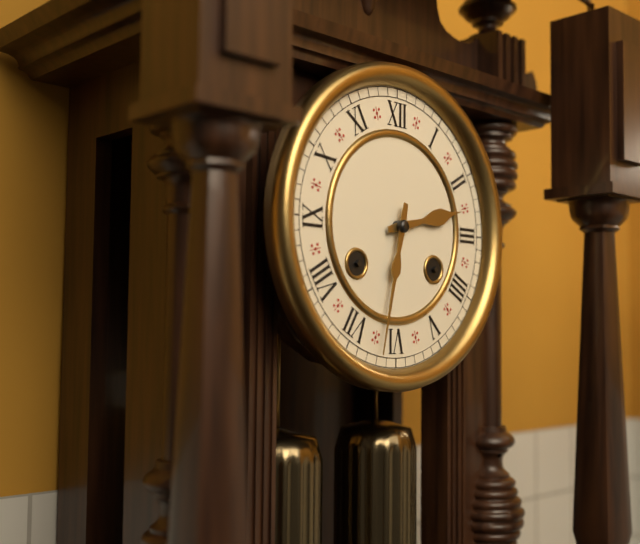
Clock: 2:32
